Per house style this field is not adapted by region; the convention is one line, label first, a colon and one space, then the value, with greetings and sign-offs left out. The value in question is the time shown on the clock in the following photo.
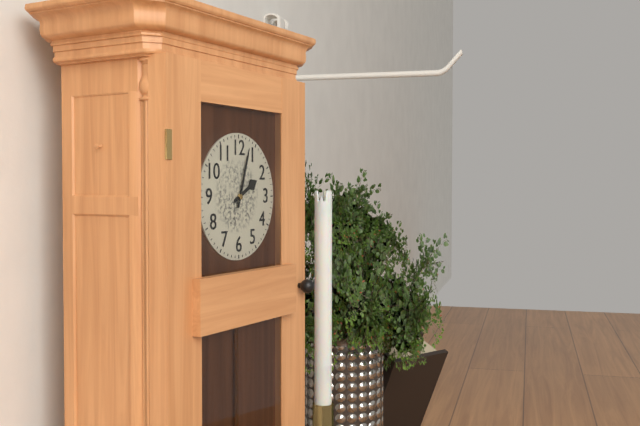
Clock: 2:03
